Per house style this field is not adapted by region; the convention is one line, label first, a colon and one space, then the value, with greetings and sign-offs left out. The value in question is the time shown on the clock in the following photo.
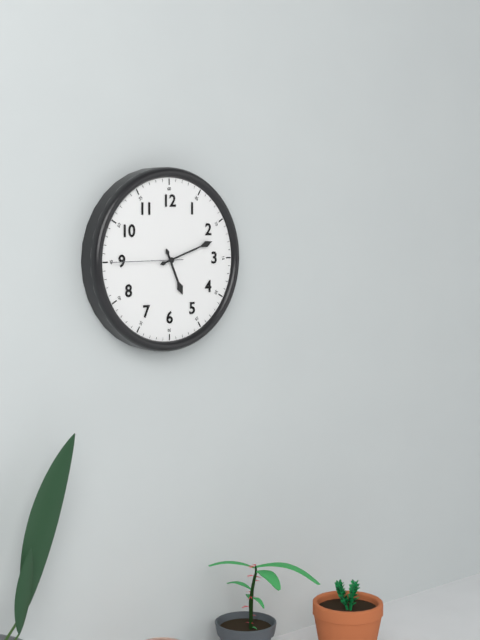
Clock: 5:12:45
